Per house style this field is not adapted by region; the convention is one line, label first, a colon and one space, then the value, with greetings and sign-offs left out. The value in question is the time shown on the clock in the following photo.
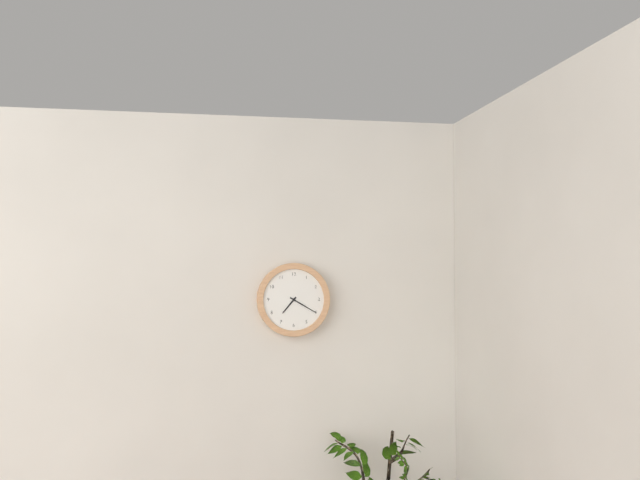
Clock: 7:20
